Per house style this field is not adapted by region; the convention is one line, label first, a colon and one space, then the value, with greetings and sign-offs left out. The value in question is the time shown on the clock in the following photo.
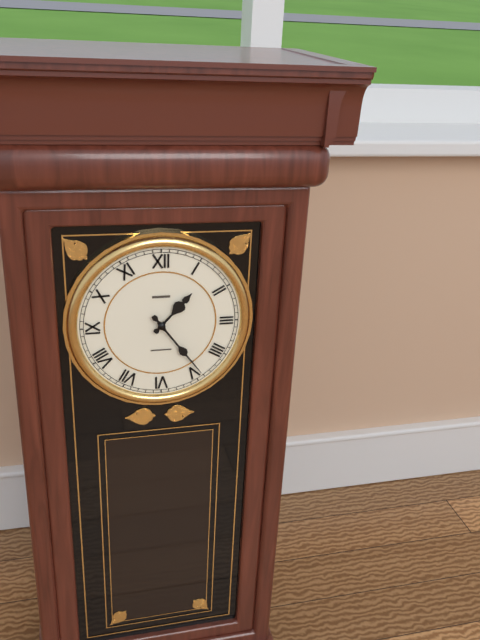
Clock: 1:24
